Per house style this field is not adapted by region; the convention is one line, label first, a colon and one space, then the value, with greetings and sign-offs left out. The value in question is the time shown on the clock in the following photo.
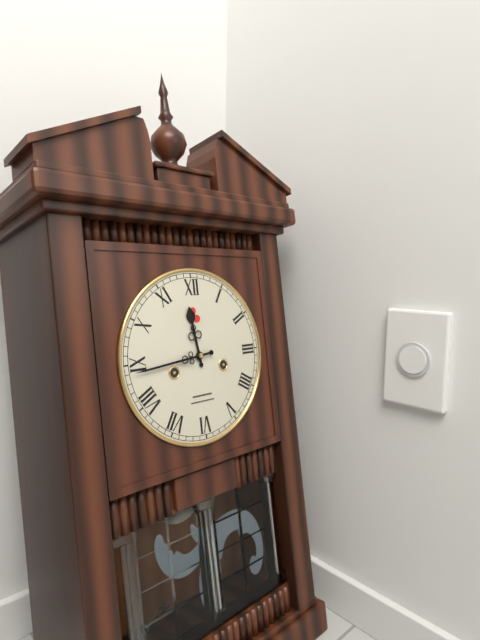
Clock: 11:44
